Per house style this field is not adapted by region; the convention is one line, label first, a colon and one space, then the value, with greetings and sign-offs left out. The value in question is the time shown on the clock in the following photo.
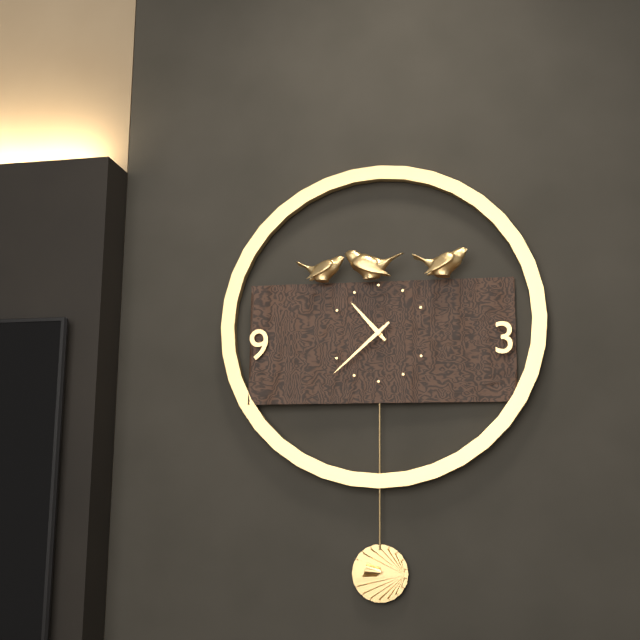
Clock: 10:38
